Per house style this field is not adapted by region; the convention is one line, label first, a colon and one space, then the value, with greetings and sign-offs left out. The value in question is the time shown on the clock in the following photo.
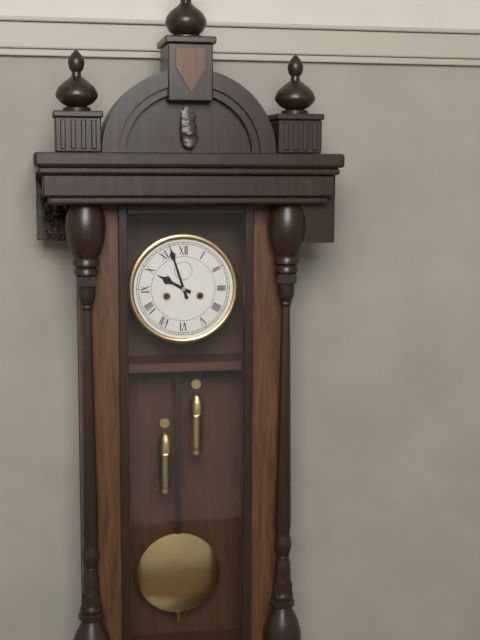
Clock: 9:57
